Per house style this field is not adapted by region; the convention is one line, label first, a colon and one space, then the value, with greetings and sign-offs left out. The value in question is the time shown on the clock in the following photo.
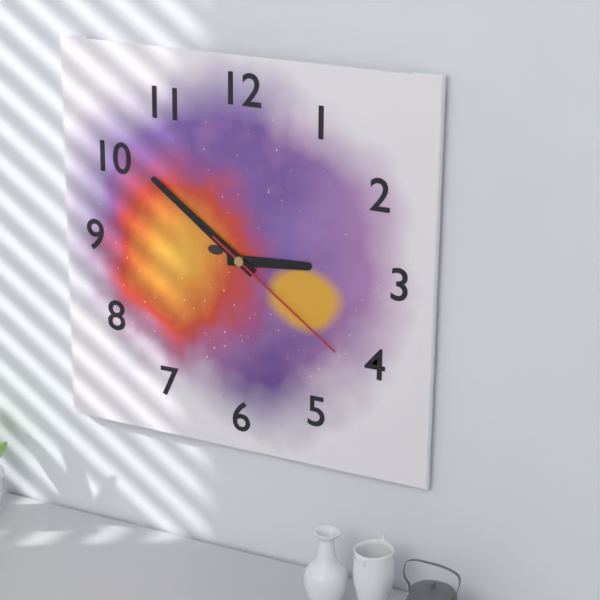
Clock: 2:51:21
